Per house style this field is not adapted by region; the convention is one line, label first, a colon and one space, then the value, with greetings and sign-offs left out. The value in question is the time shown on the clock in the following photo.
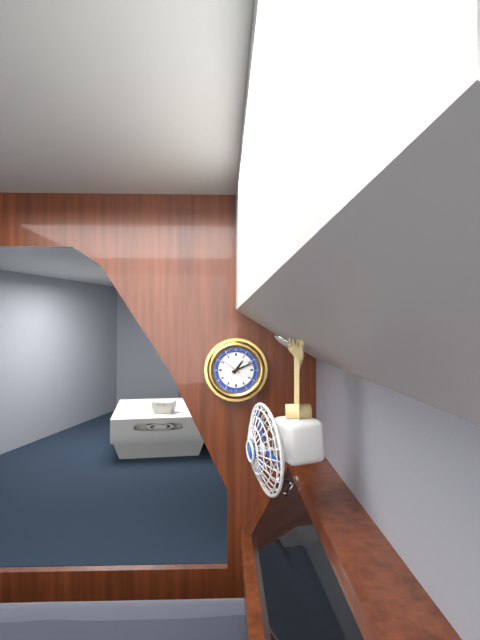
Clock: 1:11
